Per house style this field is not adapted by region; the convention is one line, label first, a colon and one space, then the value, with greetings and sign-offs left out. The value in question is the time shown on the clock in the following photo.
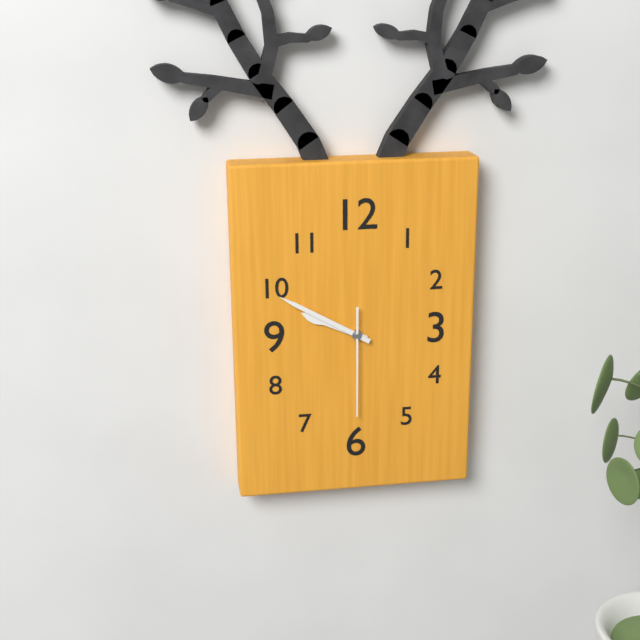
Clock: 9:50:30
